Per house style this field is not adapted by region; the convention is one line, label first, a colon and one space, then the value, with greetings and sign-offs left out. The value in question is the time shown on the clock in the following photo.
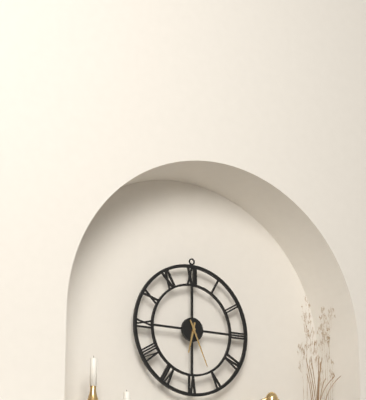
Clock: 6:26
